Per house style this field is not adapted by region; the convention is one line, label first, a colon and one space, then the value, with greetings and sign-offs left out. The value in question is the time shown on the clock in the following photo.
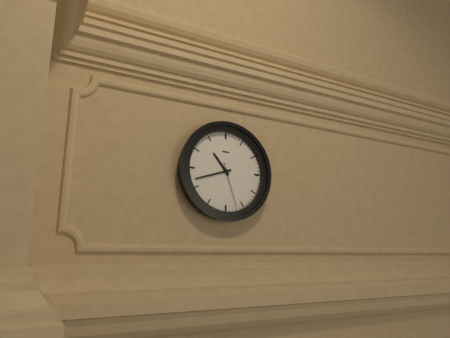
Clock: 10:42
